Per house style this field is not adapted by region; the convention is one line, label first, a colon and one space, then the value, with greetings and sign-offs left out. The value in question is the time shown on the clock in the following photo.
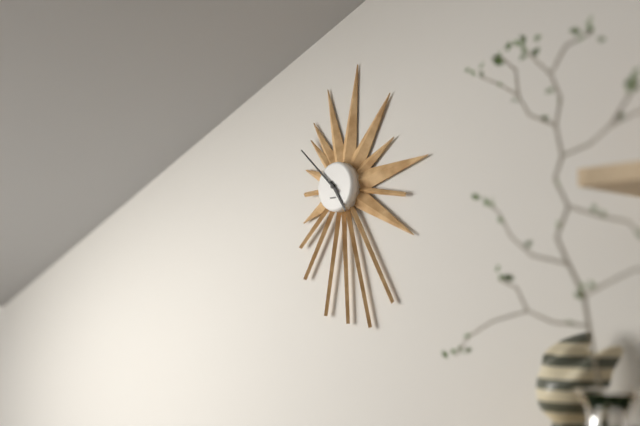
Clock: 4:52
